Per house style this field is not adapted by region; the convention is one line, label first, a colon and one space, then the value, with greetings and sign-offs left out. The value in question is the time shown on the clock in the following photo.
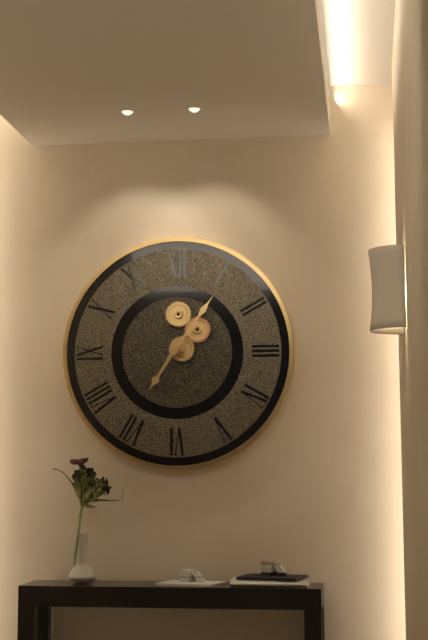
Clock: 7:06
